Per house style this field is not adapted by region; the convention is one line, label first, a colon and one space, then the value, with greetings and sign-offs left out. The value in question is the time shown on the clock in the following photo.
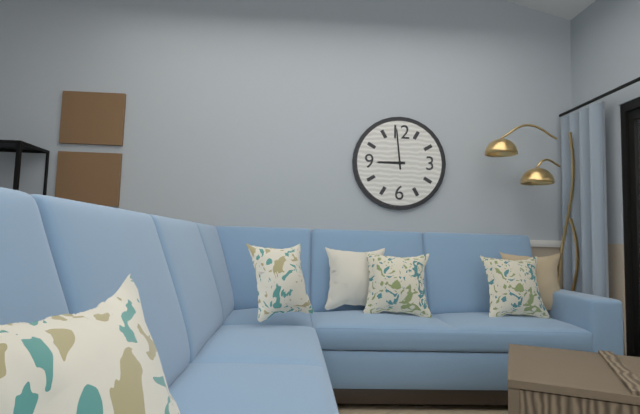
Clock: 8:59
